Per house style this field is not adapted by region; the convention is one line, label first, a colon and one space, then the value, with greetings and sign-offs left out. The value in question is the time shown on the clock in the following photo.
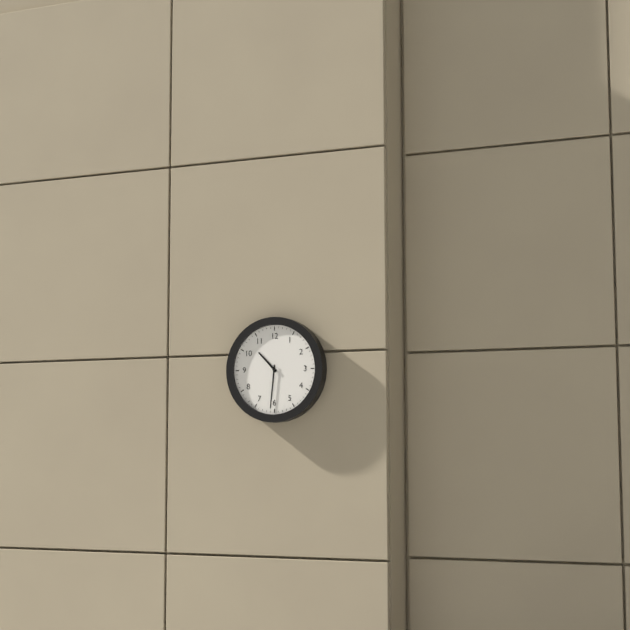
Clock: 10:31
